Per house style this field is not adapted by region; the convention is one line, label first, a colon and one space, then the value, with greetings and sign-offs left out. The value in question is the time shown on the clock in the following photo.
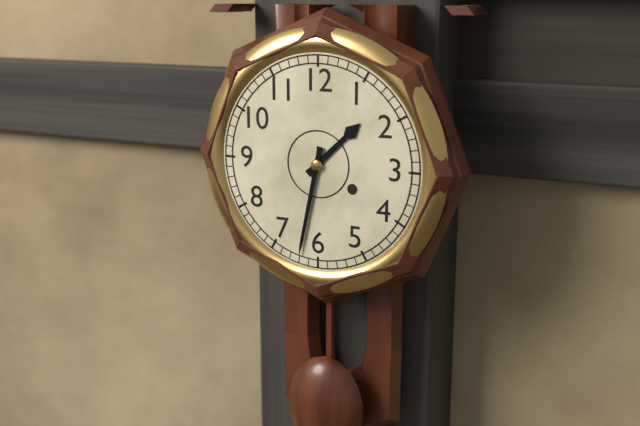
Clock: 1:32
